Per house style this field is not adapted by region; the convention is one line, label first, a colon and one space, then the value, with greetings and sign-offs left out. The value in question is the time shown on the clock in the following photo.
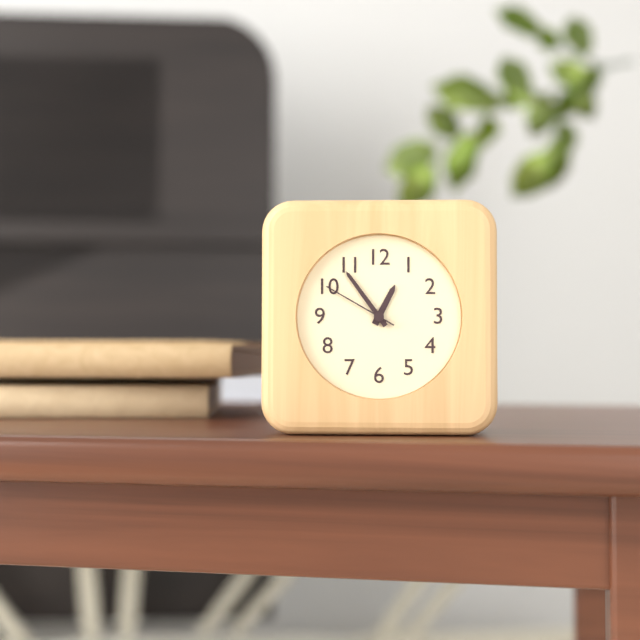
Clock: 12:54:50
